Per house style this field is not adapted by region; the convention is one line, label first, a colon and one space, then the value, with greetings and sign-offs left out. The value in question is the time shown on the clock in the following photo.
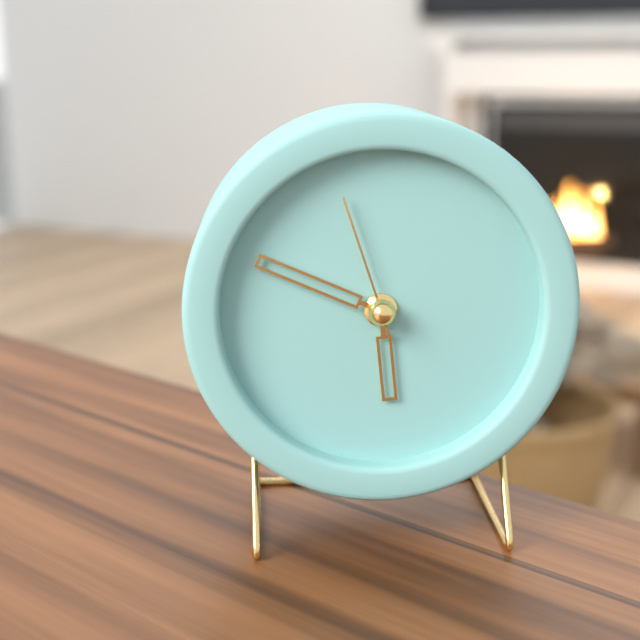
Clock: 5:49:57
